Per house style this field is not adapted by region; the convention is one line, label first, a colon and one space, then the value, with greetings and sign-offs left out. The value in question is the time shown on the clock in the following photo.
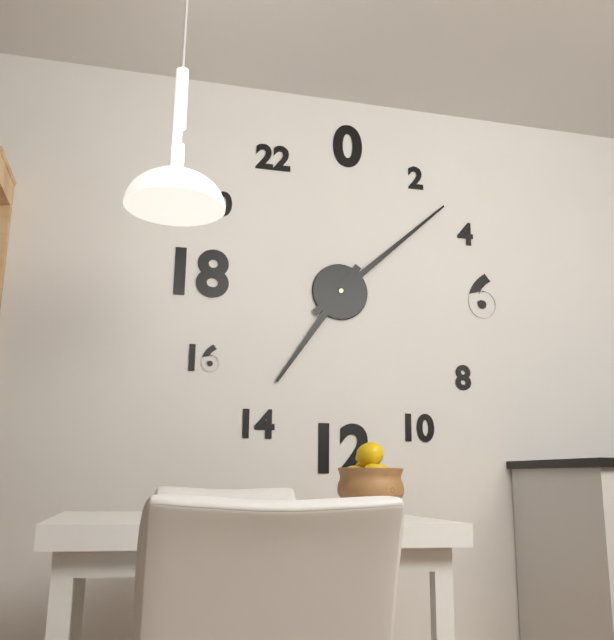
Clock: 7:08
